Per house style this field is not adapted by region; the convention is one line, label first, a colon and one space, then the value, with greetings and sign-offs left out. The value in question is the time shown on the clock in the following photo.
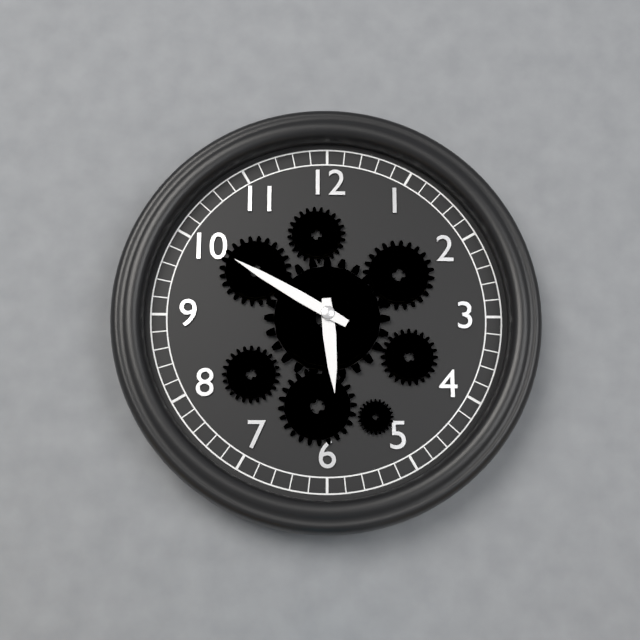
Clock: 5:50
